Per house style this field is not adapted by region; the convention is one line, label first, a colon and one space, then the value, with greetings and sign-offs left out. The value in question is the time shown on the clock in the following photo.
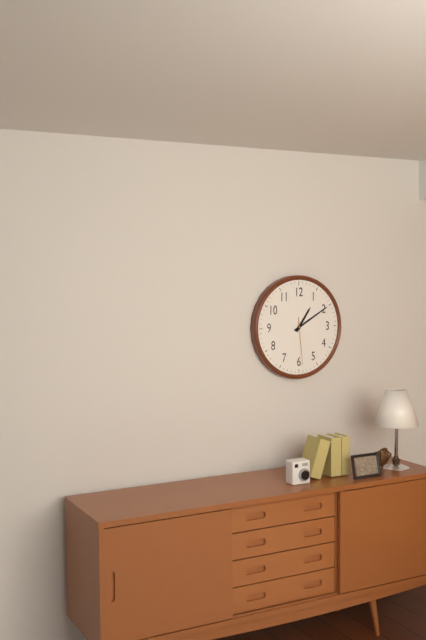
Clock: 1:10
